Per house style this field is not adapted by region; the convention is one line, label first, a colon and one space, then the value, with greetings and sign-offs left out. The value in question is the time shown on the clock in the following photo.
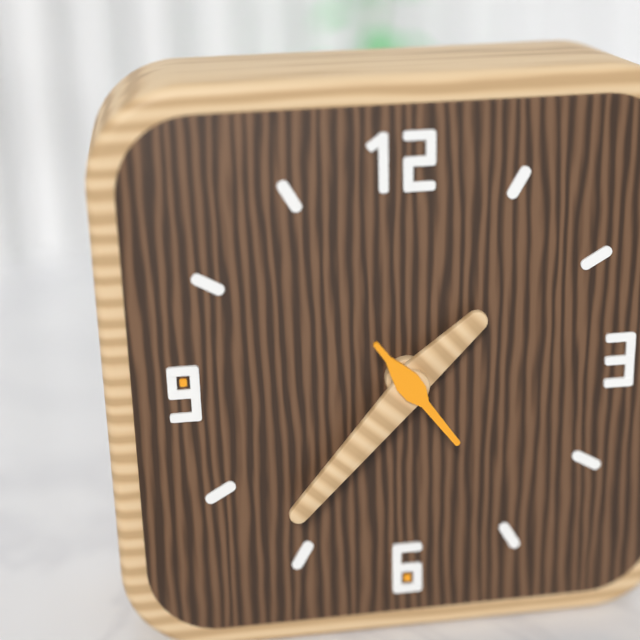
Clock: 1:37:24
